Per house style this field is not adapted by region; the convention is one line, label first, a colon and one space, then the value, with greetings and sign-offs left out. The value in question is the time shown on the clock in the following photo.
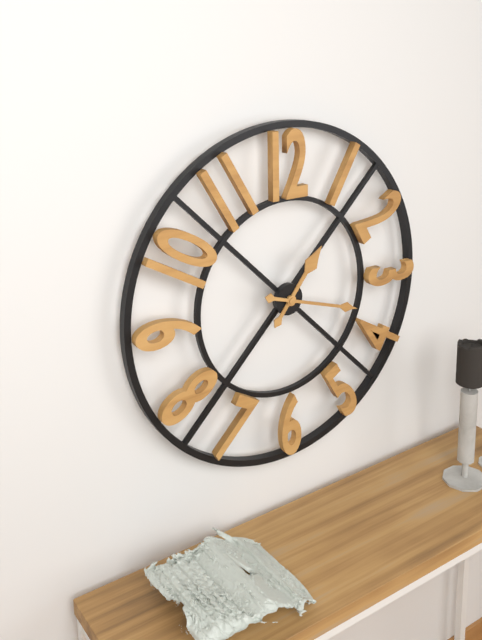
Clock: 1:18
